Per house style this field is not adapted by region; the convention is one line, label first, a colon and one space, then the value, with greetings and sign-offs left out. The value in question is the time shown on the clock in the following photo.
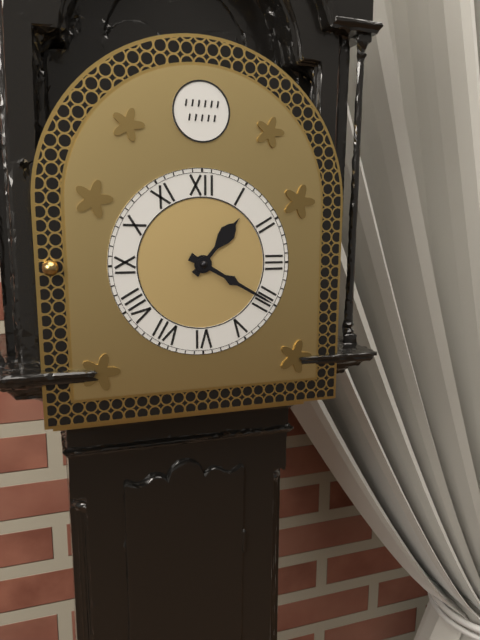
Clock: 1:20
